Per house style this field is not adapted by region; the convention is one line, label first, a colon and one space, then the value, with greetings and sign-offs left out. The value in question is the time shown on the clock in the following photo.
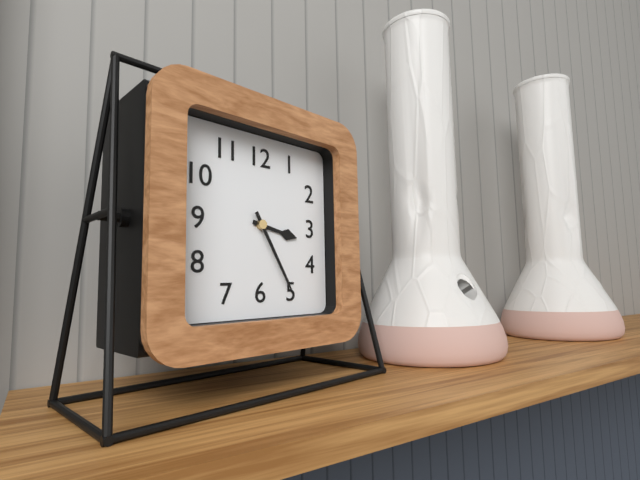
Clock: 3:25
